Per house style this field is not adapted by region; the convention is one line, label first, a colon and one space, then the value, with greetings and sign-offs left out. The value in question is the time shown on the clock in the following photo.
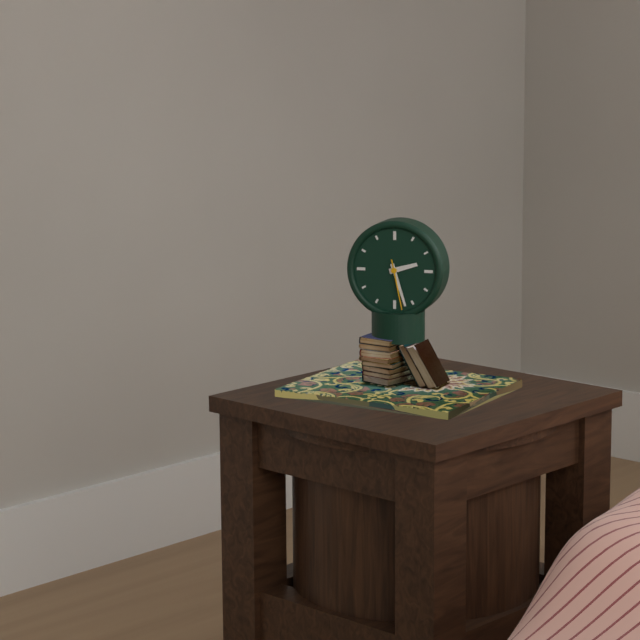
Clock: 2:27:28
